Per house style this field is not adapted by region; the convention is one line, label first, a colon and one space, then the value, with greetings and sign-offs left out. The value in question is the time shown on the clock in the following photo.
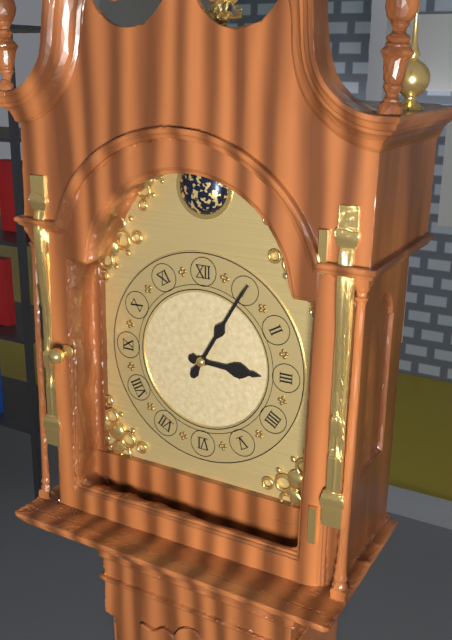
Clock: 3:05
